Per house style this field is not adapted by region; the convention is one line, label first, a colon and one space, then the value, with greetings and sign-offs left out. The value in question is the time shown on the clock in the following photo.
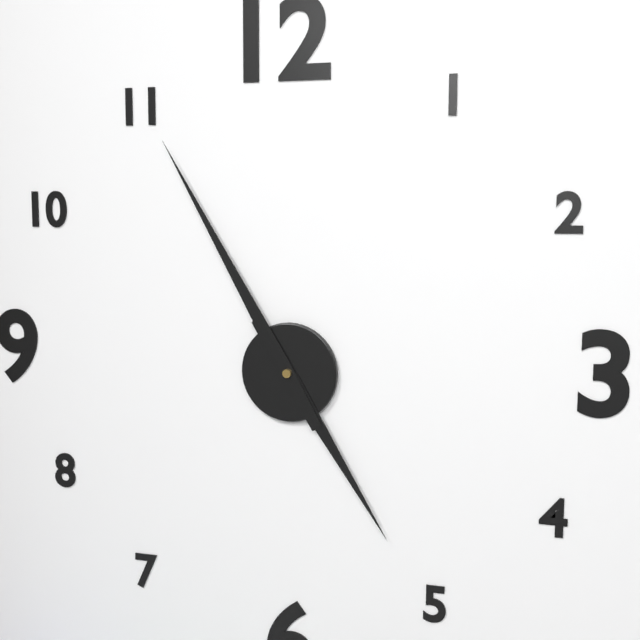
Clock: 4:55
